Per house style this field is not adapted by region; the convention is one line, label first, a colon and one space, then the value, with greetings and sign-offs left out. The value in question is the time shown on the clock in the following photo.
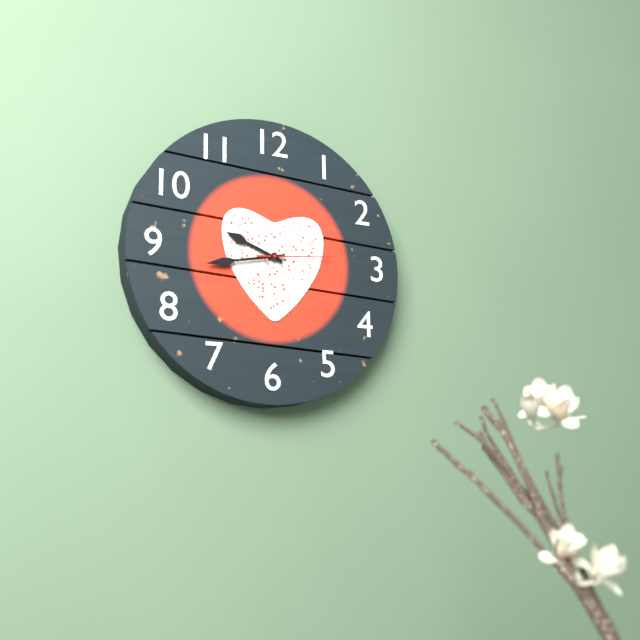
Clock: 9:43:14
